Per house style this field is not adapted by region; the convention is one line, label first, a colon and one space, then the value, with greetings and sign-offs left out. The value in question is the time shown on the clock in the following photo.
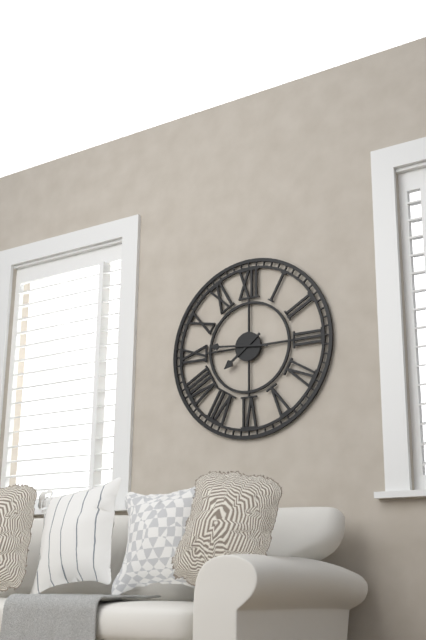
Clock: 7:46
